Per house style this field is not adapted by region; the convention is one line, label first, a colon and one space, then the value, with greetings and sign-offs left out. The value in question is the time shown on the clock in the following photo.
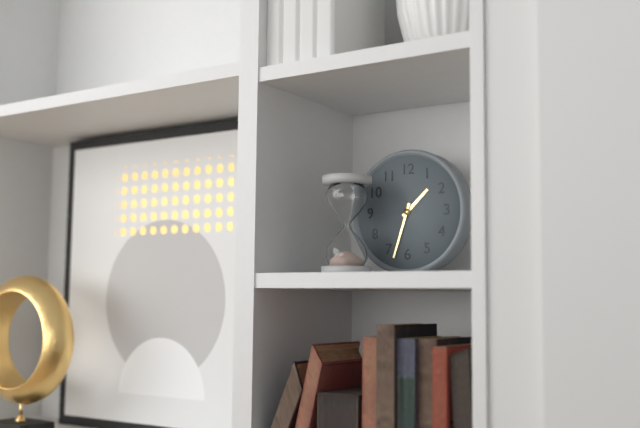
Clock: 1:33
